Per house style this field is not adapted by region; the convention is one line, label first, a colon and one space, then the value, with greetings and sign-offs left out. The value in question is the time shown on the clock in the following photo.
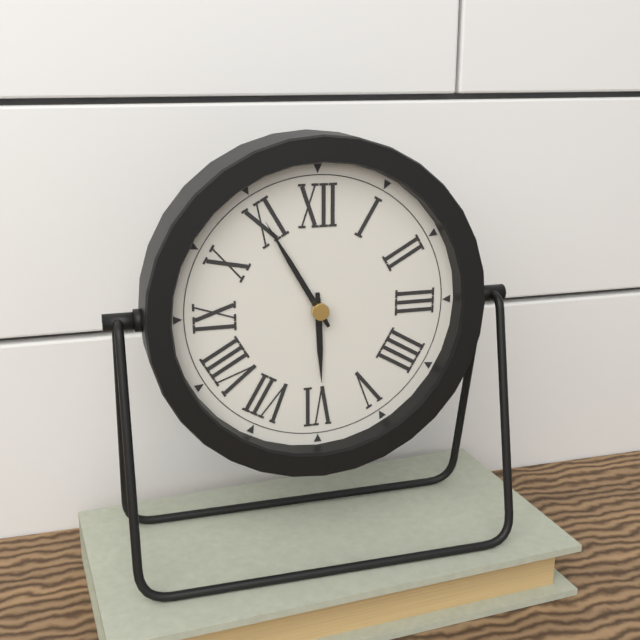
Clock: 5:55
